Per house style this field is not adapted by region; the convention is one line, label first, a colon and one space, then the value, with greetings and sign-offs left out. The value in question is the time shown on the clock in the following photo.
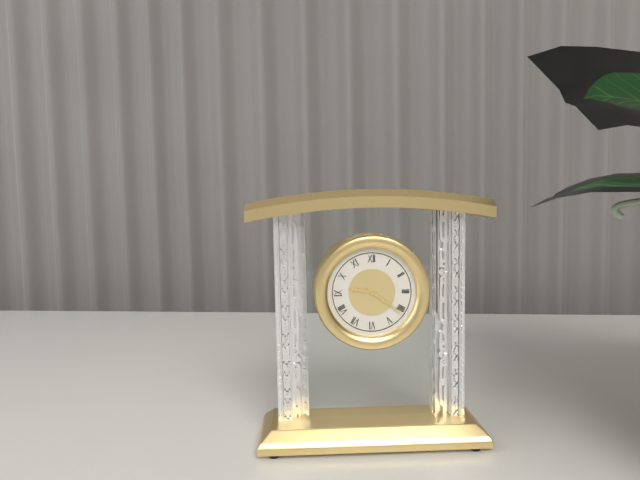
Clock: 9:21
